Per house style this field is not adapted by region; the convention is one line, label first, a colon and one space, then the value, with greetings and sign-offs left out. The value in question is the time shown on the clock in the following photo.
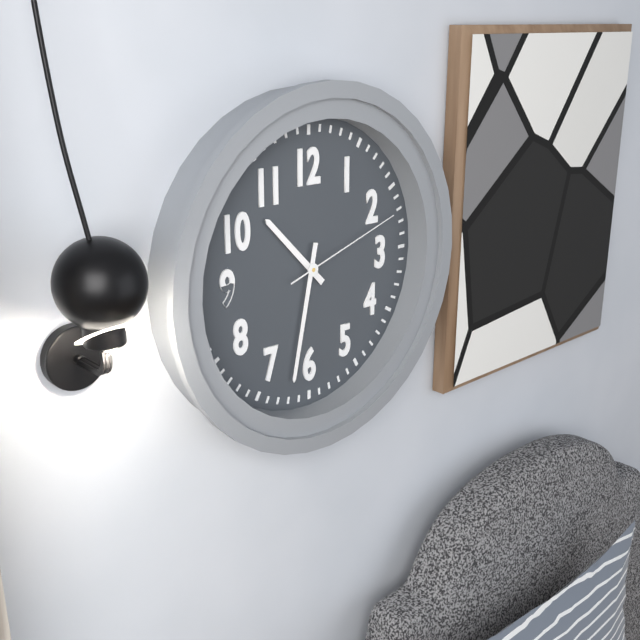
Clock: 10:32:12
